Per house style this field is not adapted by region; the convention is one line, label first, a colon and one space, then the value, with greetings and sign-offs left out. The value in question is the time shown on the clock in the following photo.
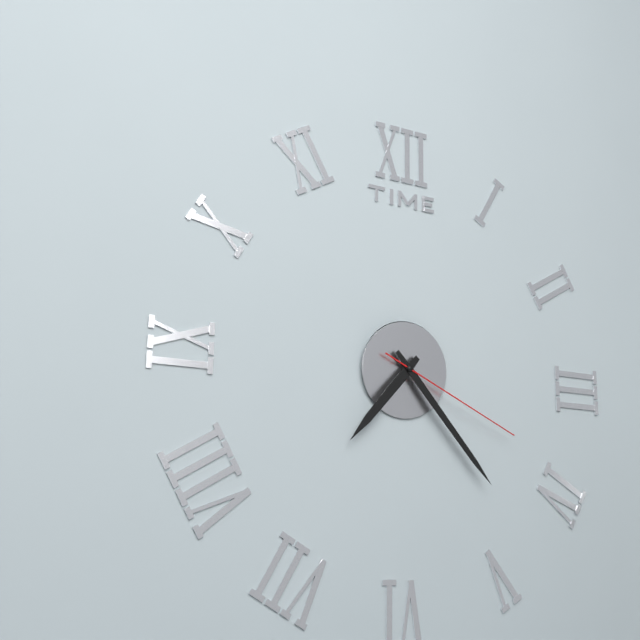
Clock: 7:23:19
